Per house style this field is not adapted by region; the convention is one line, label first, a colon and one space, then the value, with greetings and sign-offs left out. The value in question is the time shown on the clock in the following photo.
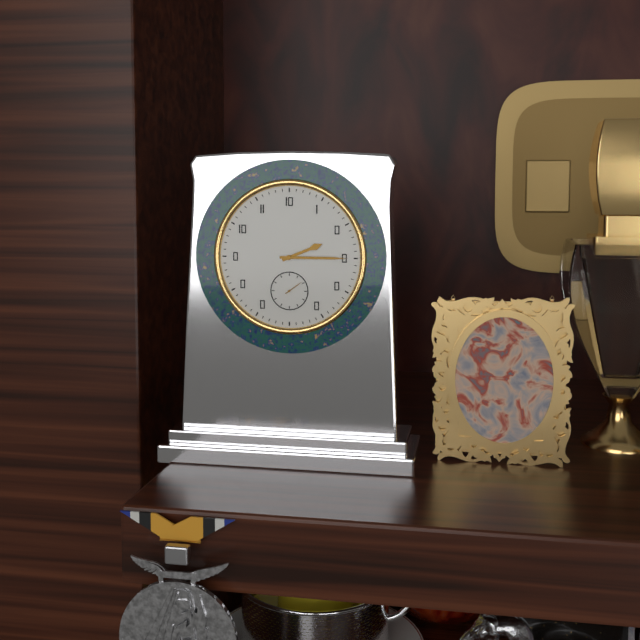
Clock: 2:15
